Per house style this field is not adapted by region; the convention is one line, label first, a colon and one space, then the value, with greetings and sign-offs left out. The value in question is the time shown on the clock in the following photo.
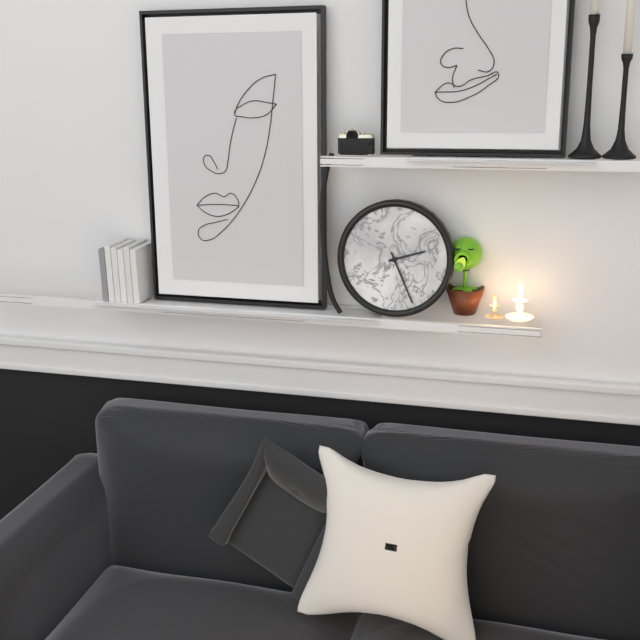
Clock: 2:26
